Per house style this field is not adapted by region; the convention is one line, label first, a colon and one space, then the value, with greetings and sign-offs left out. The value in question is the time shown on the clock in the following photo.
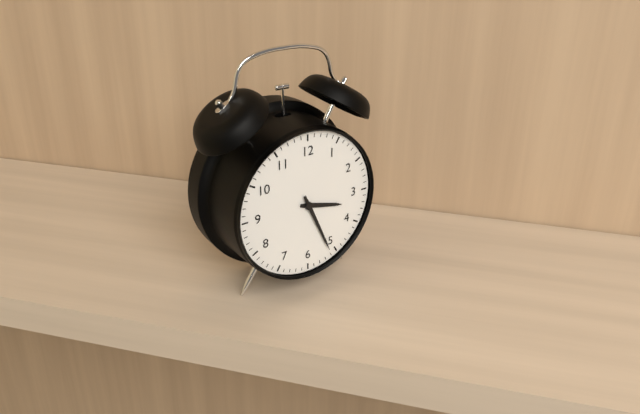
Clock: 3:26
